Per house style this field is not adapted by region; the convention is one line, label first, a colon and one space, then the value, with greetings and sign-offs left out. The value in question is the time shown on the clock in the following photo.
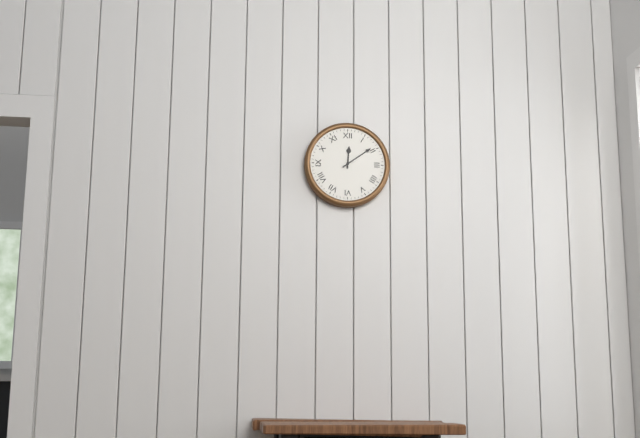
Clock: 12:09
